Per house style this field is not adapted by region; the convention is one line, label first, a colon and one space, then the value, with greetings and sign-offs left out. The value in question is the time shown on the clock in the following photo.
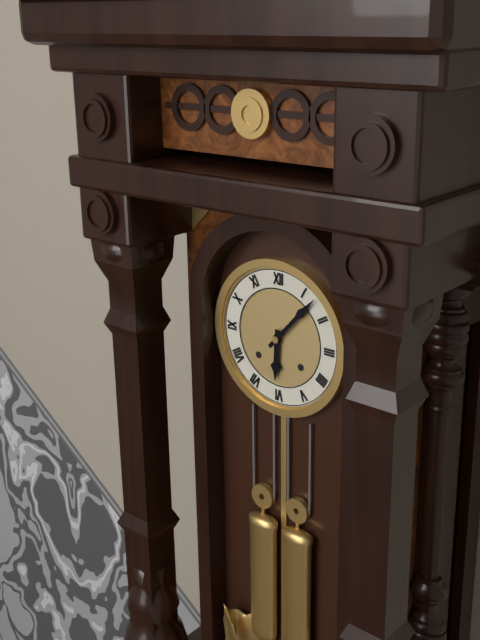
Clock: 6:07
